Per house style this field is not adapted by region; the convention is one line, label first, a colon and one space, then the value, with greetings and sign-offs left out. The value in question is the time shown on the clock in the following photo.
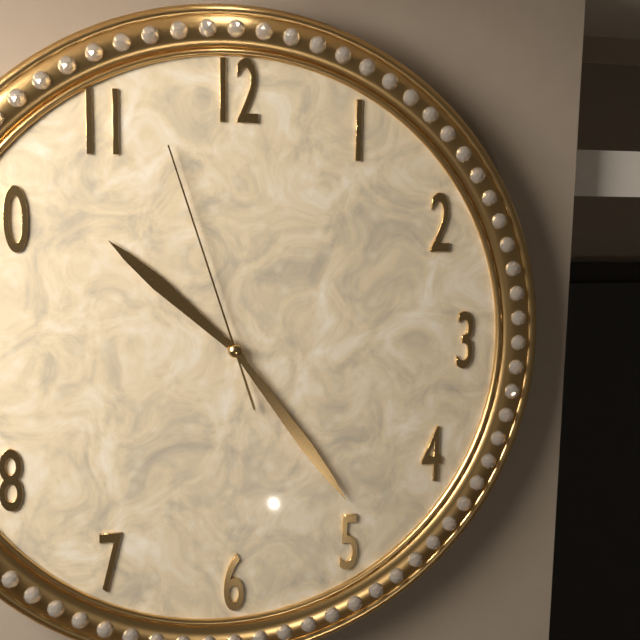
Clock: 10:24:57
